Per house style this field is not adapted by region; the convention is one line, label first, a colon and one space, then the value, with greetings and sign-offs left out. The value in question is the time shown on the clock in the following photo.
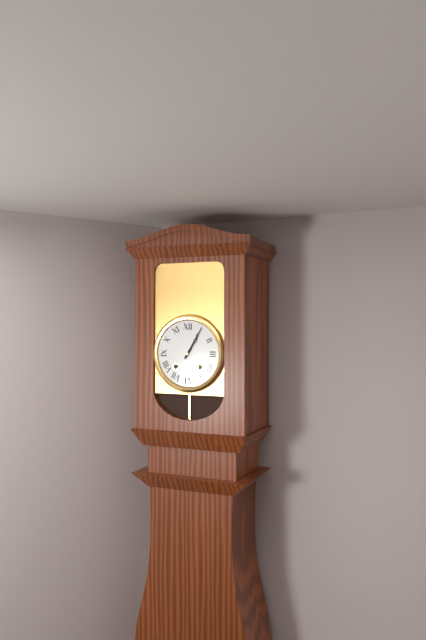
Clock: 1:05
